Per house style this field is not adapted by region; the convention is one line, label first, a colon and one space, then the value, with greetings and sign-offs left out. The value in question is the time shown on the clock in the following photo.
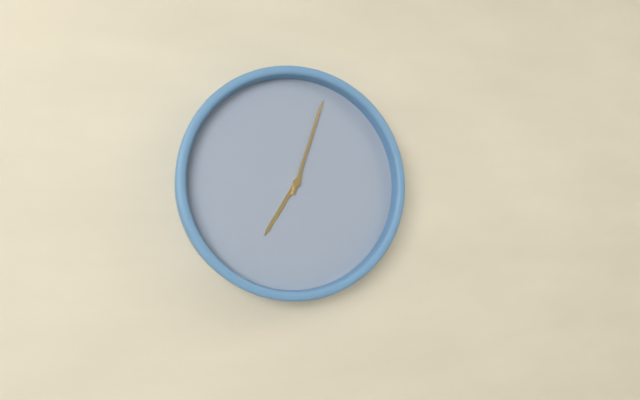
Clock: 7:03
